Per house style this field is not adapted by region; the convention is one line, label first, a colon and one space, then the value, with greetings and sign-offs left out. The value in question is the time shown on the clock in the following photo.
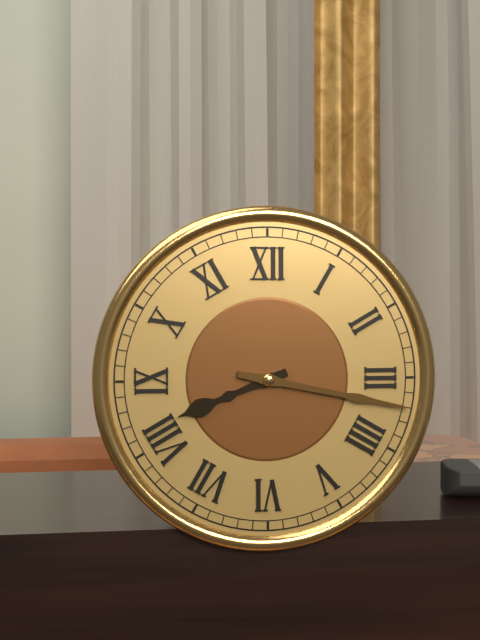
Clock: 8:17
